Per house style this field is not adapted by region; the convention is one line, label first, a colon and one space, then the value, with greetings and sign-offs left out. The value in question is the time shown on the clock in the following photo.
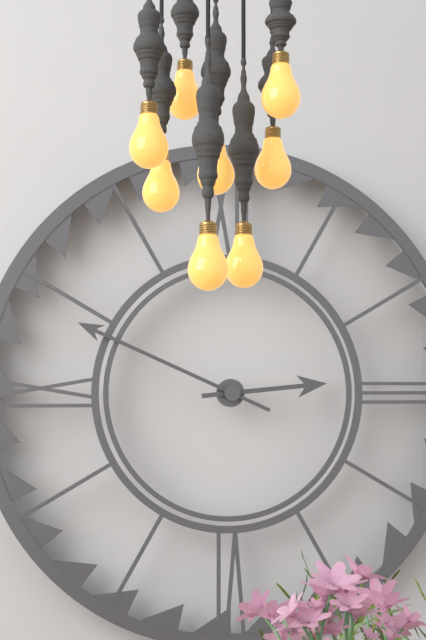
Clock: 2:49
